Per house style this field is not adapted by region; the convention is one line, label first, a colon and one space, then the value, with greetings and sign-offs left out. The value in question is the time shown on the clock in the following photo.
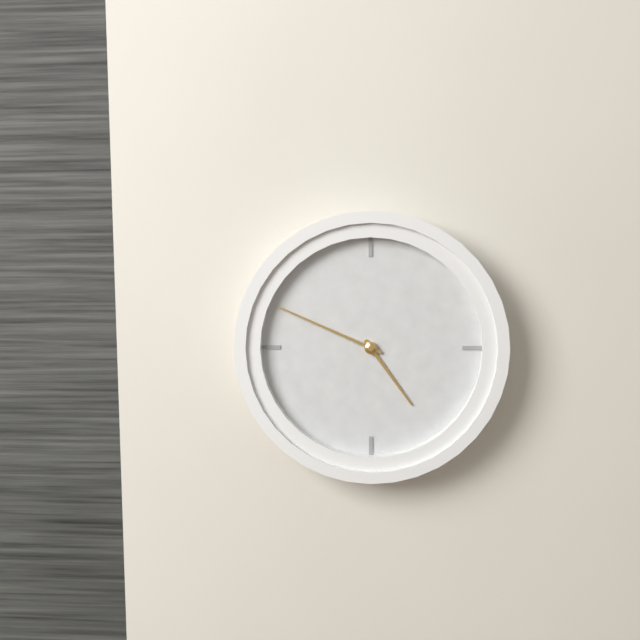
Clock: 4:49
